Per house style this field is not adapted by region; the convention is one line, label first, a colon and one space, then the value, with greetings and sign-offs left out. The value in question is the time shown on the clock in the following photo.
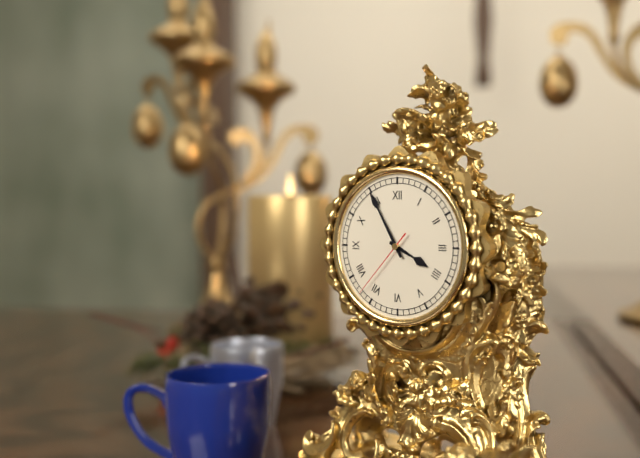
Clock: 3:55:37
